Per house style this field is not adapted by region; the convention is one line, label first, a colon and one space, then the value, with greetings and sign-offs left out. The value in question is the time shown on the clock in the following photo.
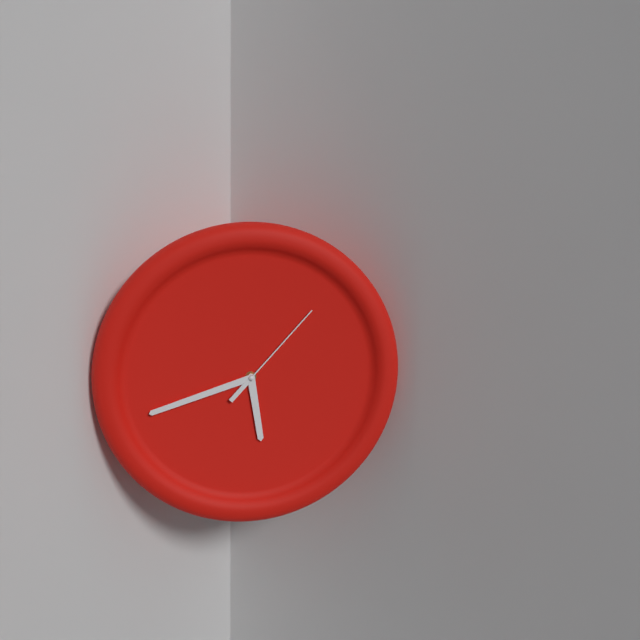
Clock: 5:42:07
